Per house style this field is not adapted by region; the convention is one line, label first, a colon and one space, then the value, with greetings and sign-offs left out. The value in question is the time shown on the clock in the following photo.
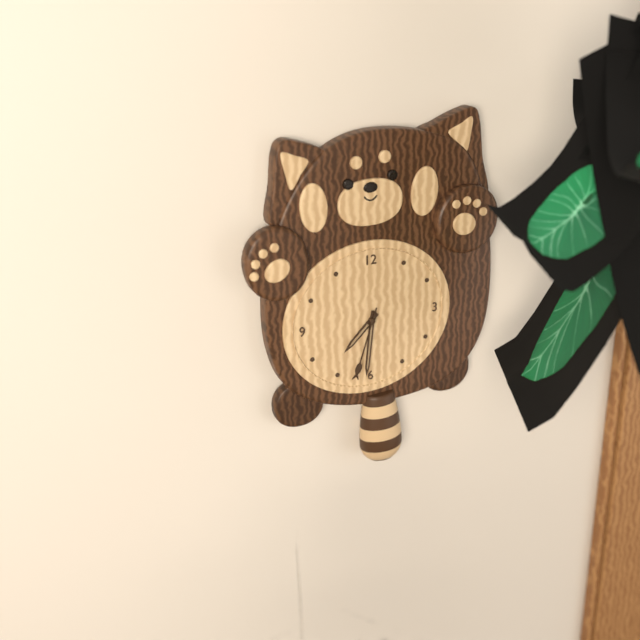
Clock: 7:31:33
